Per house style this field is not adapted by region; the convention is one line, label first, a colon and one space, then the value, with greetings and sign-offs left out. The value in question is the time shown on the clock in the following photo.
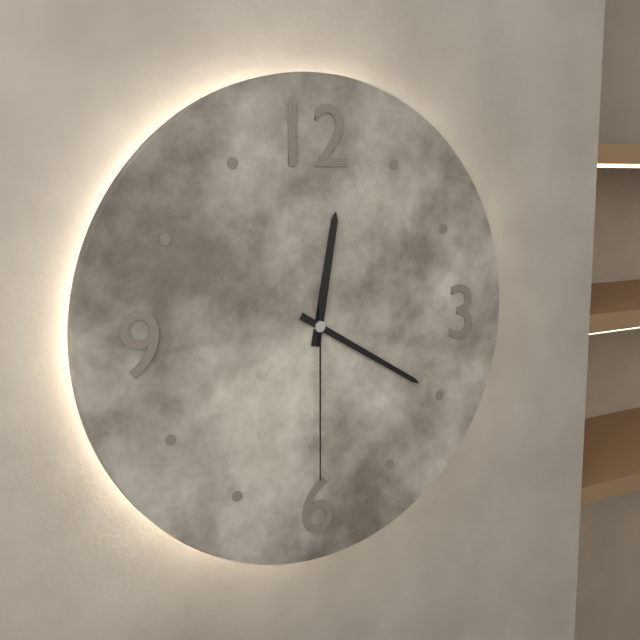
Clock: 12:20:30
